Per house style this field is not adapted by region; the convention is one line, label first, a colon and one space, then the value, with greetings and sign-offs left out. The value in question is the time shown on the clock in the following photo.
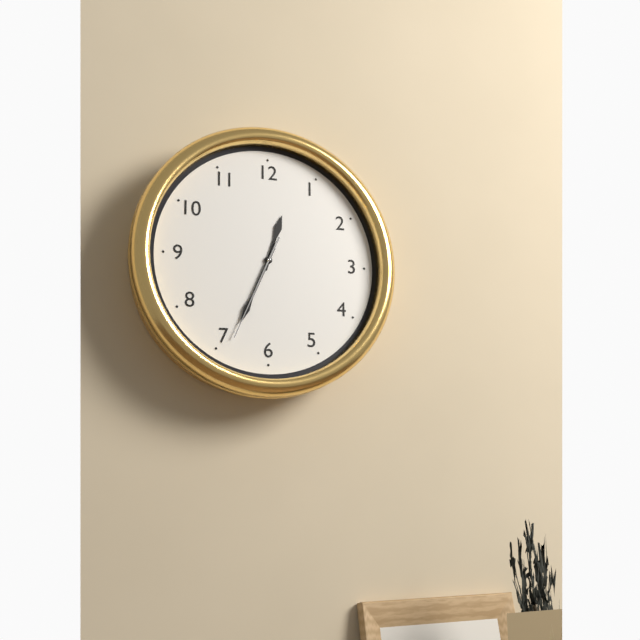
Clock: 12:34:34
